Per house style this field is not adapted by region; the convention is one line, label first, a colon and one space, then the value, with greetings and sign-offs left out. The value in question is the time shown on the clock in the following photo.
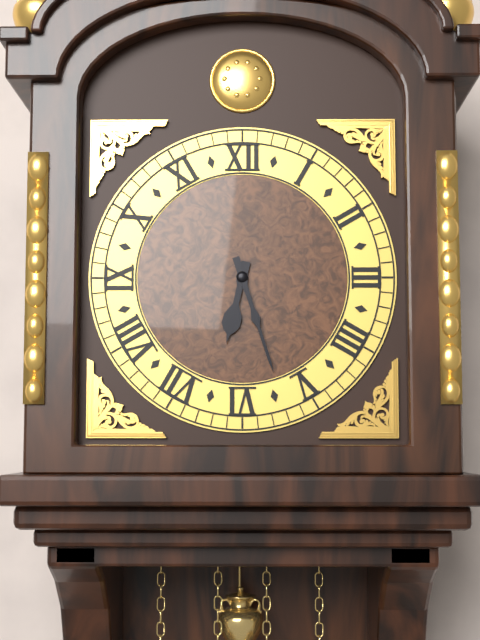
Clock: 6:27
